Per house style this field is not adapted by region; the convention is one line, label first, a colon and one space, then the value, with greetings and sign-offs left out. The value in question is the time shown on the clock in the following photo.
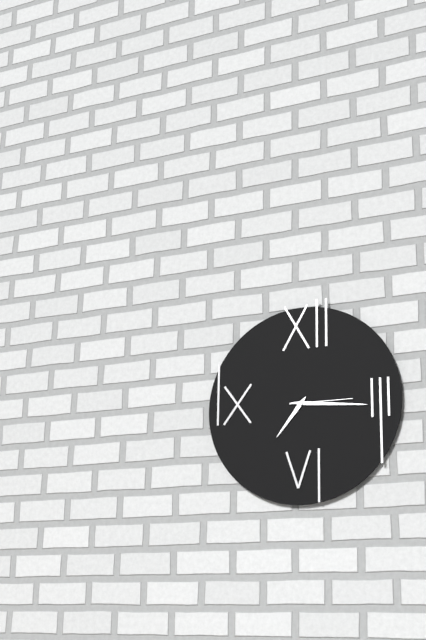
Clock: 7:16:15
